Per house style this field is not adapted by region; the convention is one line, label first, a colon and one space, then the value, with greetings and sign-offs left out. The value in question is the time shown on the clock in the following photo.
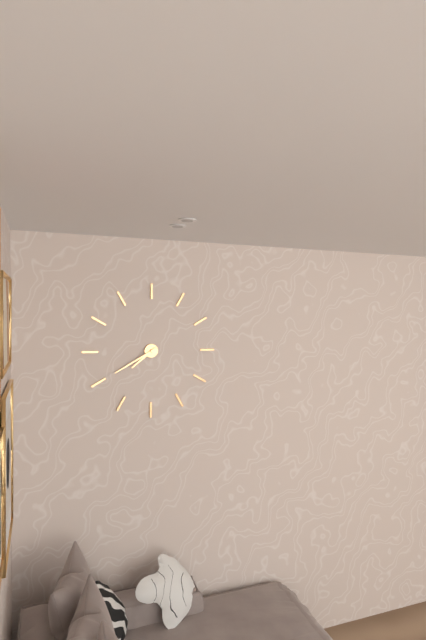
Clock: 7:40
